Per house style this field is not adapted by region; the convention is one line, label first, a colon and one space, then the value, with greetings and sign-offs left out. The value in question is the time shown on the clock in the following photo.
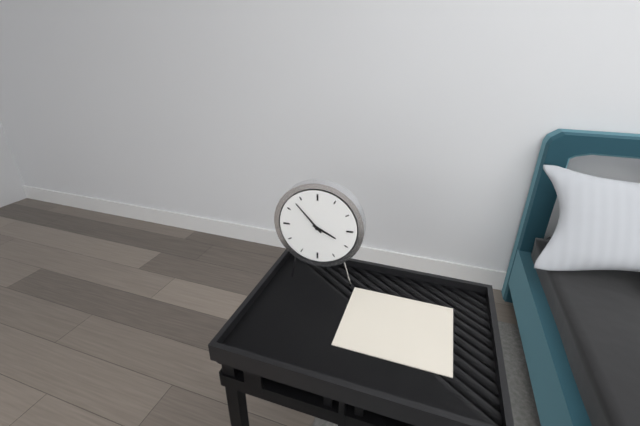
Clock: 3:53
